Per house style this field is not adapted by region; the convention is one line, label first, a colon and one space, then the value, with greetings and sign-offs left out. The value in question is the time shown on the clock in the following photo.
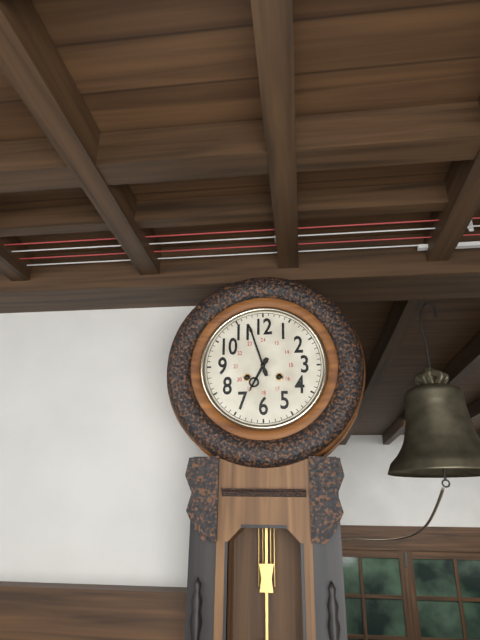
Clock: 6:57
